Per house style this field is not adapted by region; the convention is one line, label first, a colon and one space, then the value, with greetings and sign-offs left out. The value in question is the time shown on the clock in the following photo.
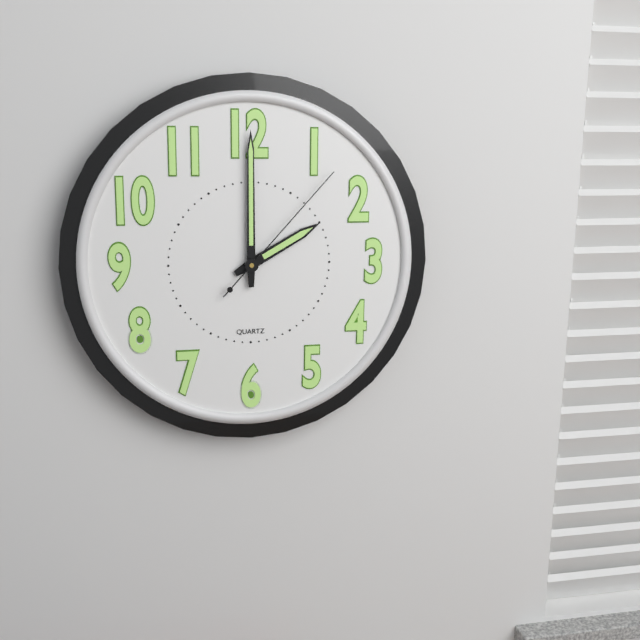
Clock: 2:00:07
